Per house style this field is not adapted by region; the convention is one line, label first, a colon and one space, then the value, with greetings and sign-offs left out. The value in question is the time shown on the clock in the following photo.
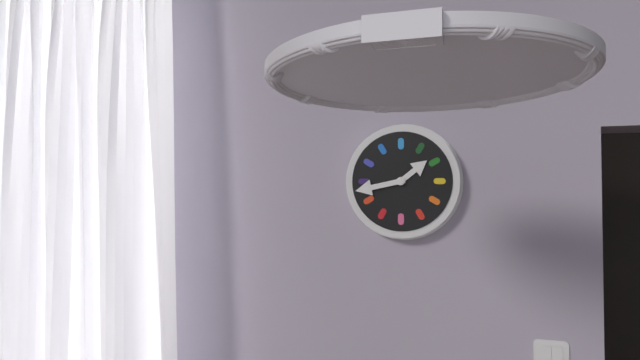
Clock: 1:43
